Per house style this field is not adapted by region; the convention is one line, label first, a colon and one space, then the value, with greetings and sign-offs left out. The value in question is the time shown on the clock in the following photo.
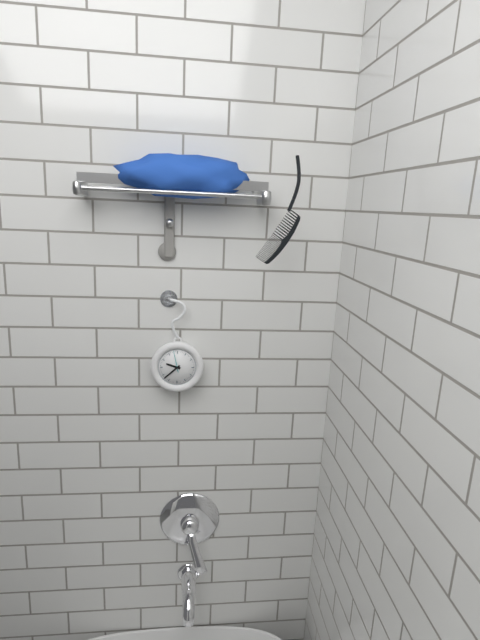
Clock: 9:38
